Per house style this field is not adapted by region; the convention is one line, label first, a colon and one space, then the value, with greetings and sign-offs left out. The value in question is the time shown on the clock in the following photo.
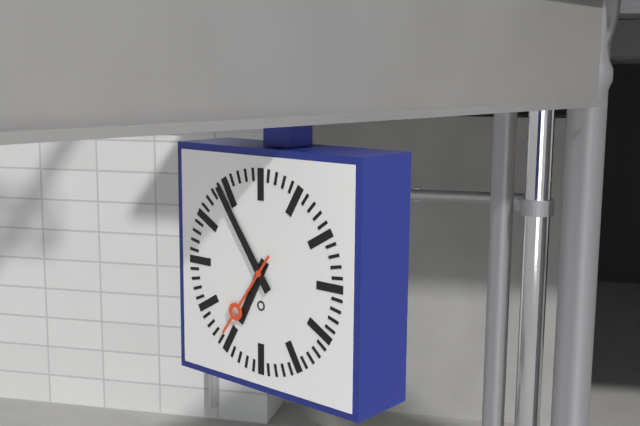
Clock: 6:54:36
